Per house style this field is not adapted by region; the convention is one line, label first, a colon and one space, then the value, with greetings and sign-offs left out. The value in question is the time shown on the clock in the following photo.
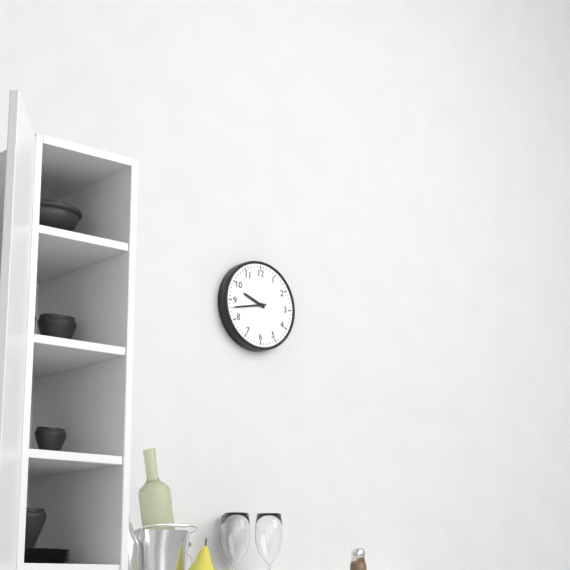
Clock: 9:43
